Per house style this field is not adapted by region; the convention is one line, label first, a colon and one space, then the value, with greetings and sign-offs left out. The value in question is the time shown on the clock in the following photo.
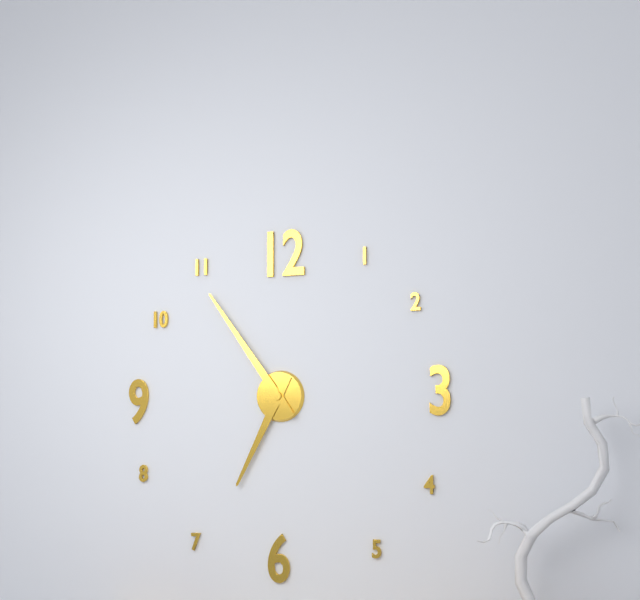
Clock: 6:54
